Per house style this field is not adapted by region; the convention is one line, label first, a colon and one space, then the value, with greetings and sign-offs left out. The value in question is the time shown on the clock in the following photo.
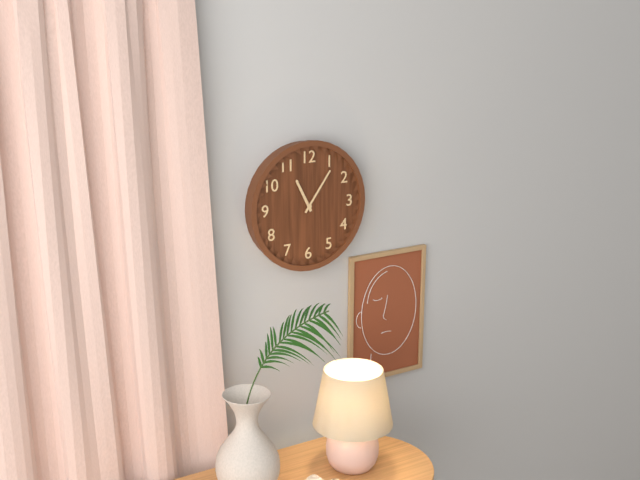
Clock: 11:06
